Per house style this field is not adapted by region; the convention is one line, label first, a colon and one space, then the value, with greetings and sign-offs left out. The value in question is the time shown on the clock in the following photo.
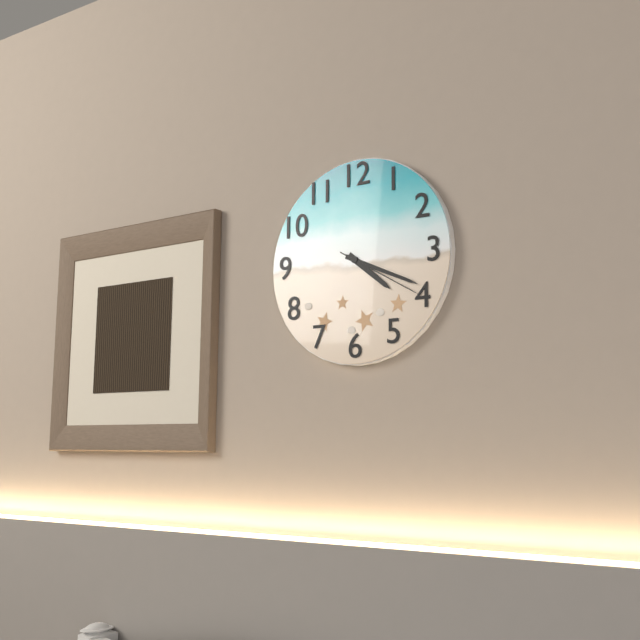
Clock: 4:19:20
